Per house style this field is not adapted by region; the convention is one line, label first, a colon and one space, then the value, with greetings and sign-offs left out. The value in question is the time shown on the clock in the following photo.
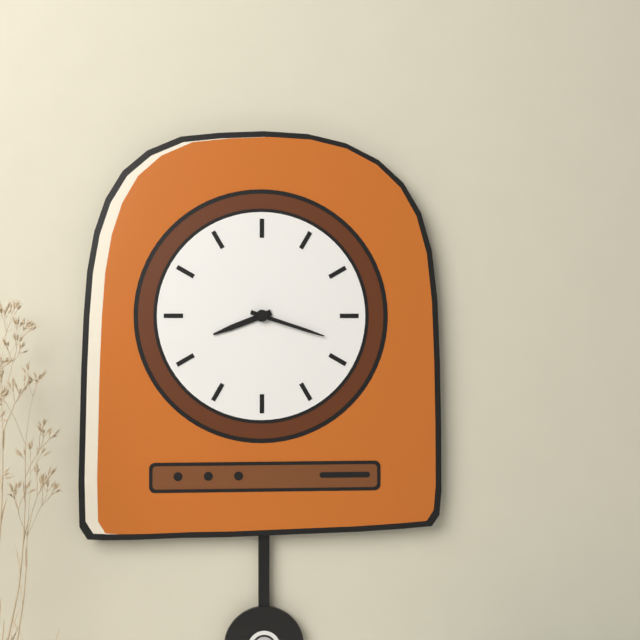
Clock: 8:18
